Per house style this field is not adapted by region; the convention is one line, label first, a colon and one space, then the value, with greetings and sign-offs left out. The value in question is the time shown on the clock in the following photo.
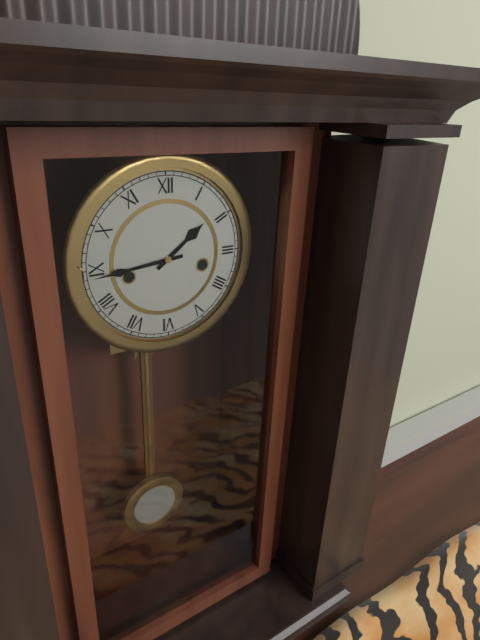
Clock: 1:44
